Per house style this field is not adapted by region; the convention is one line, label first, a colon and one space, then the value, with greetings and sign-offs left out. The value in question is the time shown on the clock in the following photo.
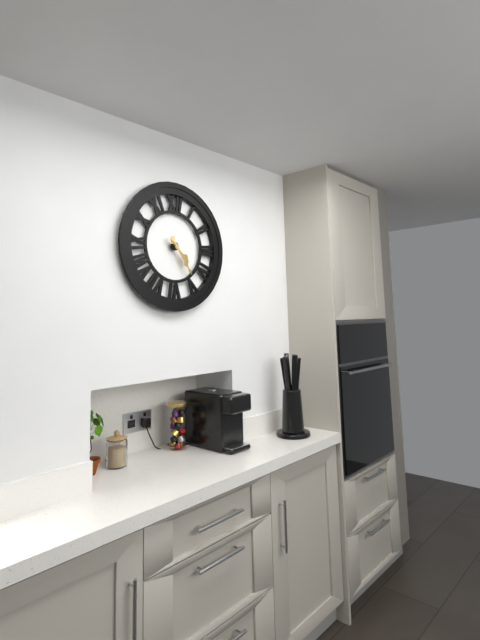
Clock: 4:24
